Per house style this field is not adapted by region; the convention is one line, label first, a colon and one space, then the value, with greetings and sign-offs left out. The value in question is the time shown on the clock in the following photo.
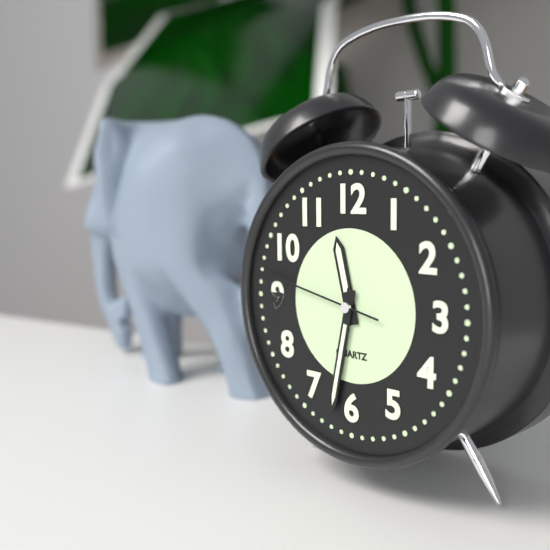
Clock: 11:32:47
